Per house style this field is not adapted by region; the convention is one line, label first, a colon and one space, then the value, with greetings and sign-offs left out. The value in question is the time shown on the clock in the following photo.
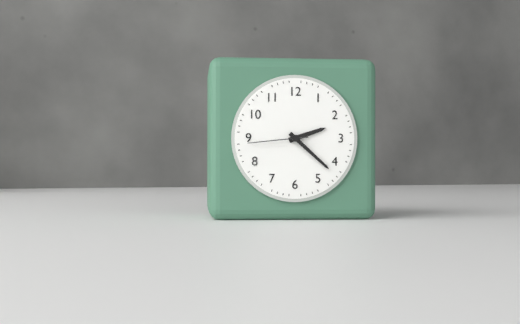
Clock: 2:22:44
